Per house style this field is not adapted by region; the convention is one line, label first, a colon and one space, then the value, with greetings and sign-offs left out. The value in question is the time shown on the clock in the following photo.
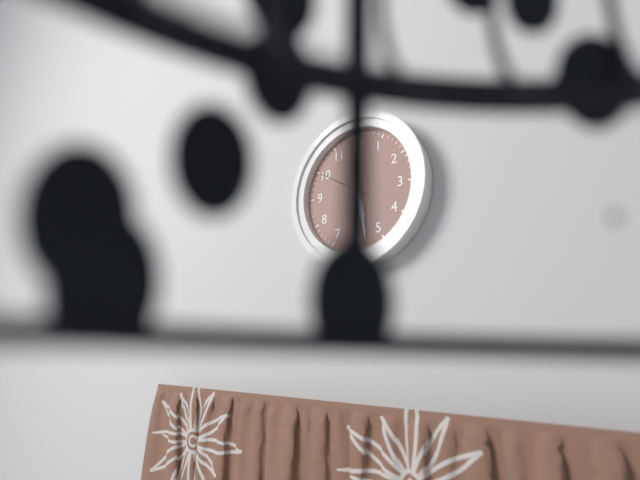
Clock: 5:28:50
